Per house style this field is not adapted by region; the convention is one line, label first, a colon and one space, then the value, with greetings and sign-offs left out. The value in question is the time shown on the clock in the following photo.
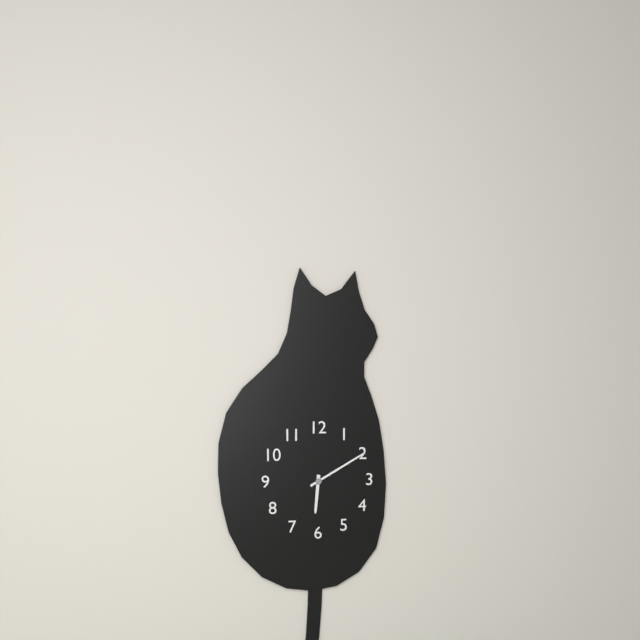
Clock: 6:10
